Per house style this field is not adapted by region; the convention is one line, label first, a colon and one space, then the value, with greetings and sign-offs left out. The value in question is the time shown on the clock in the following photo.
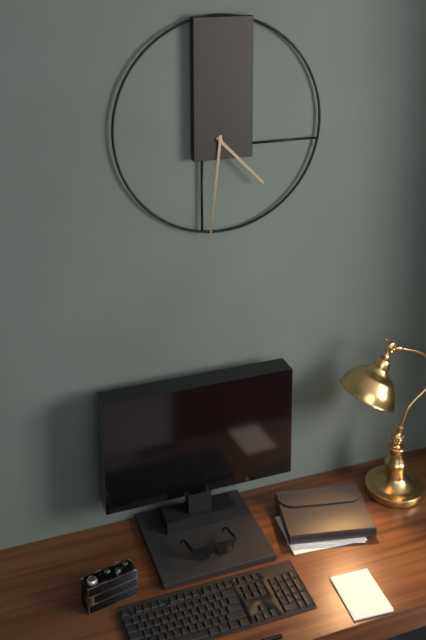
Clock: 4:31
